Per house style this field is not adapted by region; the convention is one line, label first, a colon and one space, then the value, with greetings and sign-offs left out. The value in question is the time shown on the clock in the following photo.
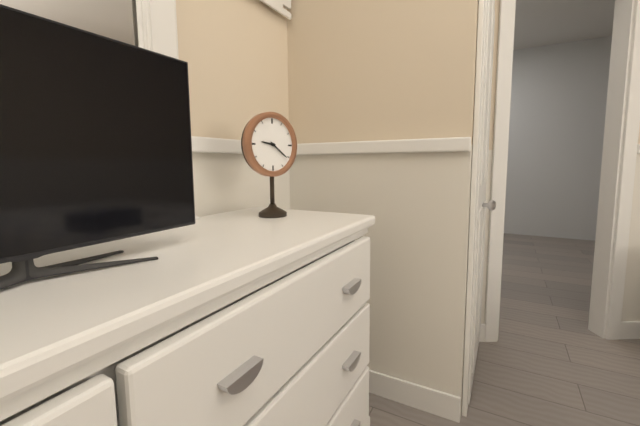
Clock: 9:21
